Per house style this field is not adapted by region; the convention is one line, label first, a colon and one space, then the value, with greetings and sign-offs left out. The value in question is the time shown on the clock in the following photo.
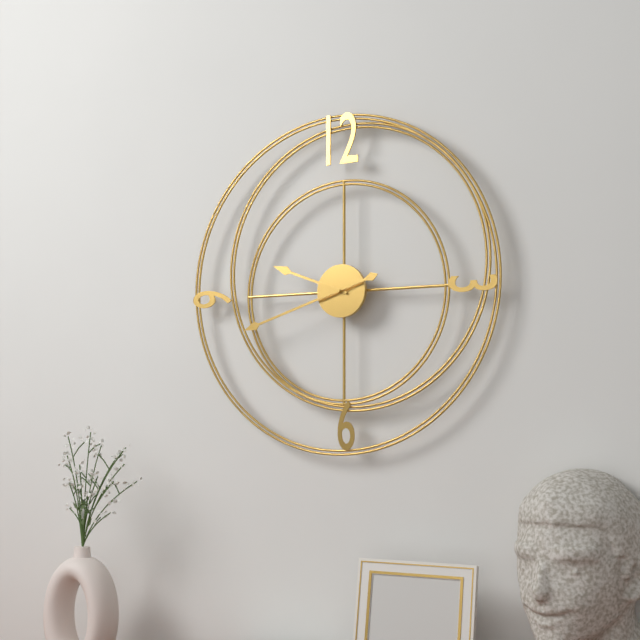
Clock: 9:42
